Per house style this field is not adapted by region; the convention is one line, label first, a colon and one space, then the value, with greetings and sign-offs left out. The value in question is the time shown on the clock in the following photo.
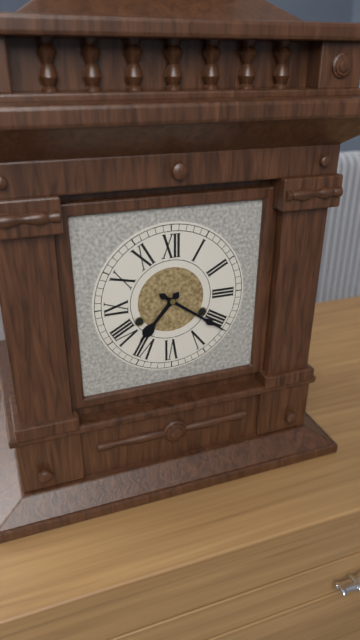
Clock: 7:21
